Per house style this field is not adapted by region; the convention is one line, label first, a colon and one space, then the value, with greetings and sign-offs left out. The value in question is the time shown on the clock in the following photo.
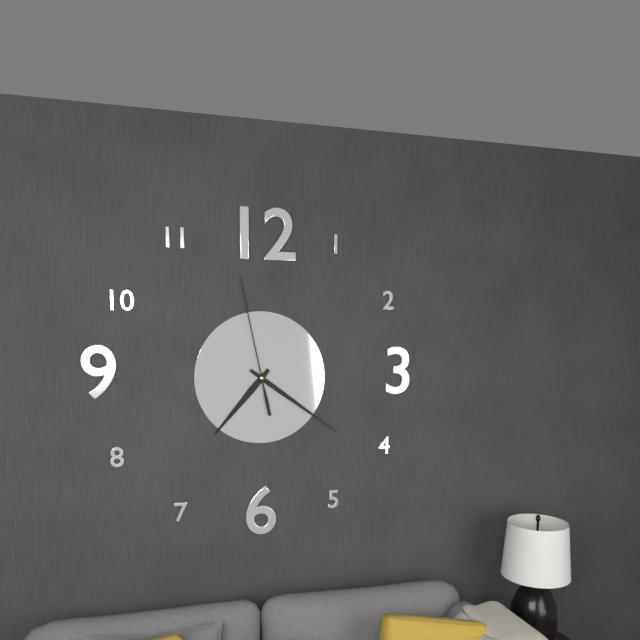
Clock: 7:21:58
